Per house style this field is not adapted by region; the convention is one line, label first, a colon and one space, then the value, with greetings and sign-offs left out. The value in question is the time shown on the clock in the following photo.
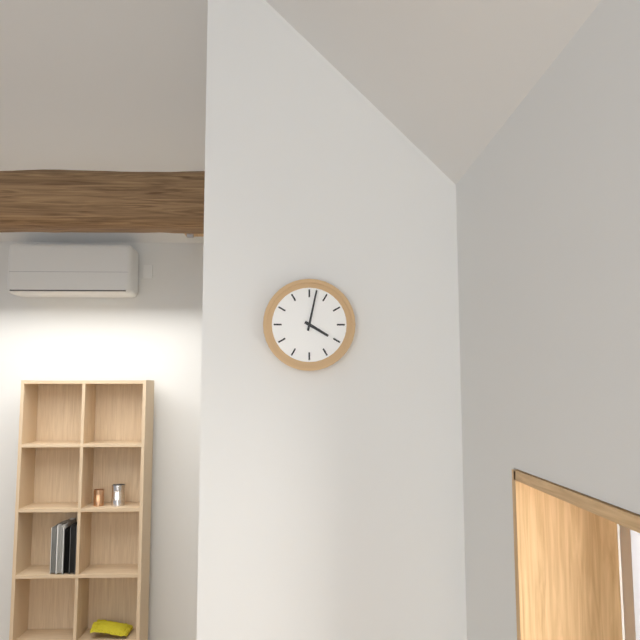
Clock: 4:02
